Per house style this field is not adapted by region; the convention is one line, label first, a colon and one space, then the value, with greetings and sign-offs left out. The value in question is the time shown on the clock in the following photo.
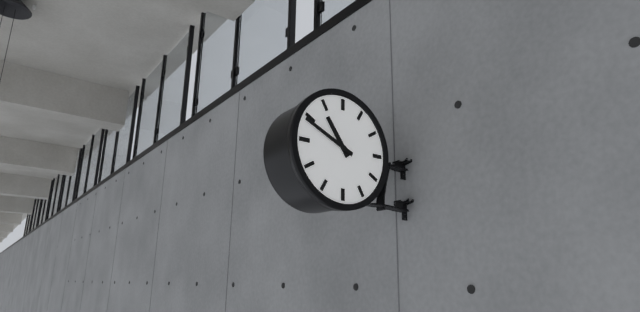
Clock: 10:49
